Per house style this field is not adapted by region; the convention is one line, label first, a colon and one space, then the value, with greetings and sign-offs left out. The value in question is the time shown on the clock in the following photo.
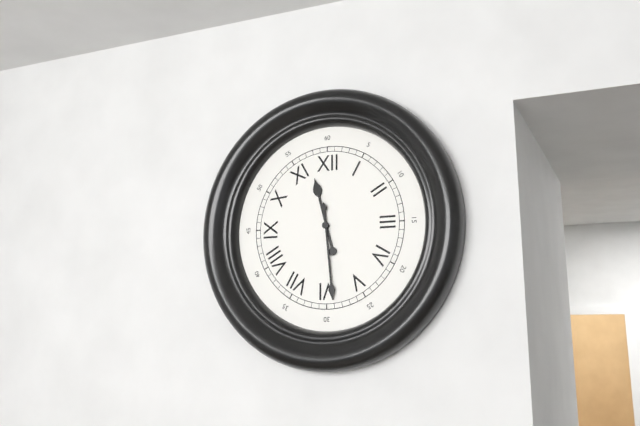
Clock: 11:29
